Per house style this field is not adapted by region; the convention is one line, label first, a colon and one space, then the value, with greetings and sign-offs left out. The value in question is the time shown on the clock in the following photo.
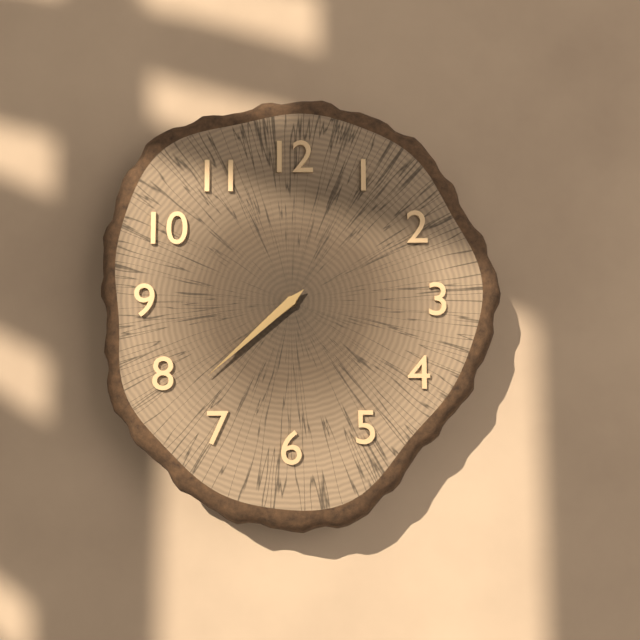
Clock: 7:38
